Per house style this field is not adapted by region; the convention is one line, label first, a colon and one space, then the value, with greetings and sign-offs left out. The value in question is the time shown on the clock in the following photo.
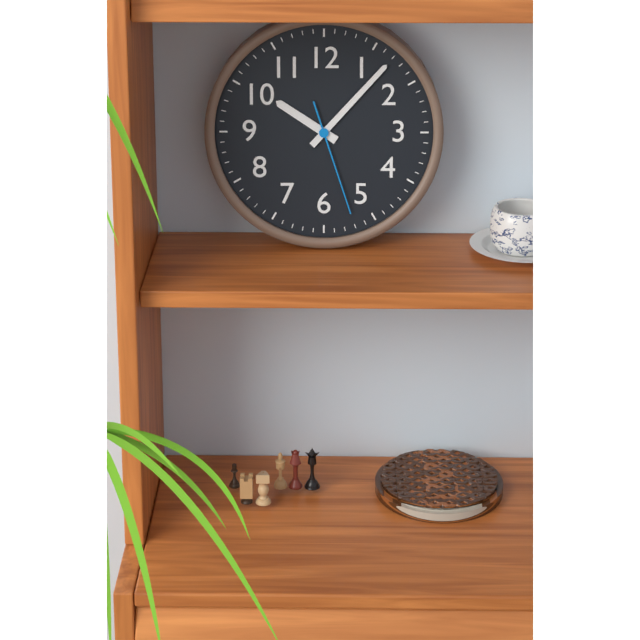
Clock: 10:07:27
